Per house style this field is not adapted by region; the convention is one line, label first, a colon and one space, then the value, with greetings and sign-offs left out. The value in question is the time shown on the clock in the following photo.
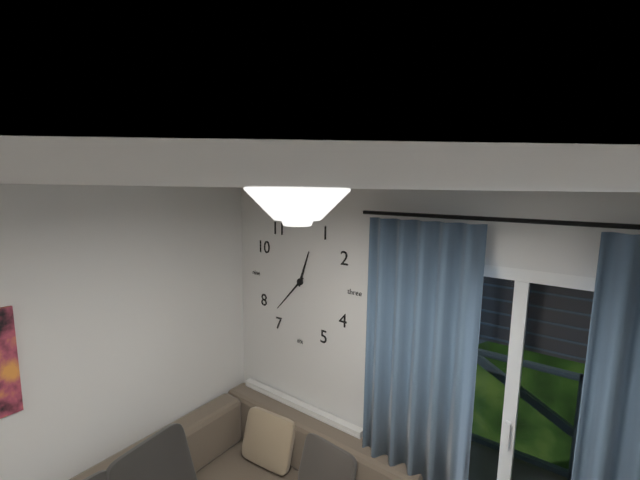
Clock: 12:37
